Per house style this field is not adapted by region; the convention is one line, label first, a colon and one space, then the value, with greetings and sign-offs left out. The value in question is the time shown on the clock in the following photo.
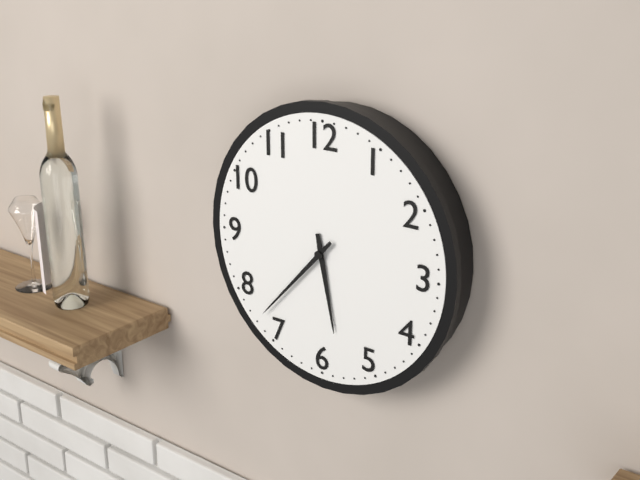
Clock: 5:37
